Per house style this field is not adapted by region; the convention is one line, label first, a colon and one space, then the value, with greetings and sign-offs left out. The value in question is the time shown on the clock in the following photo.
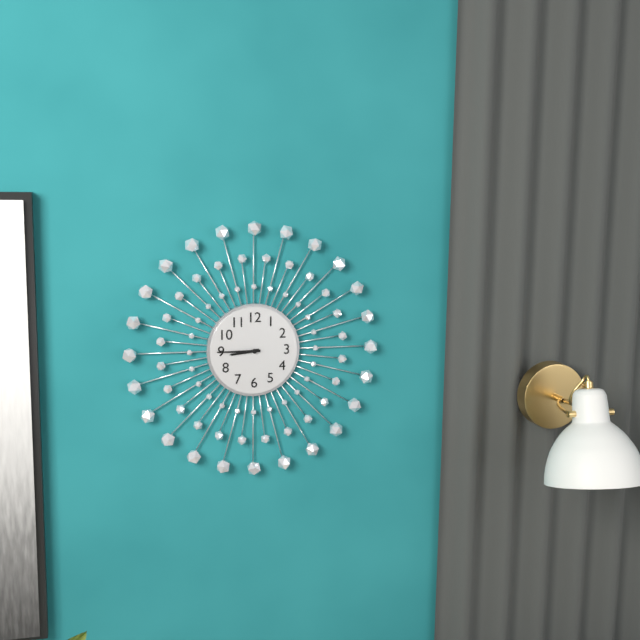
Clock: 8:45
